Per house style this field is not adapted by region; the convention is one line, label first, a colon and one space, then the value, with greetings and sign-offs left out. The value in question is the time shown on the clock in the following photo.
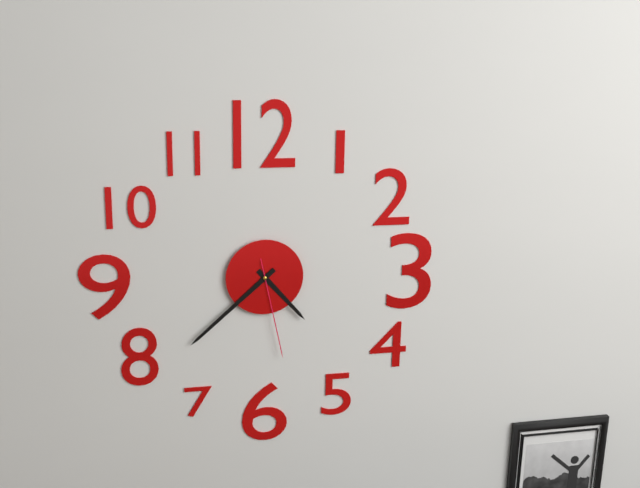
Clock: 4:38:28
